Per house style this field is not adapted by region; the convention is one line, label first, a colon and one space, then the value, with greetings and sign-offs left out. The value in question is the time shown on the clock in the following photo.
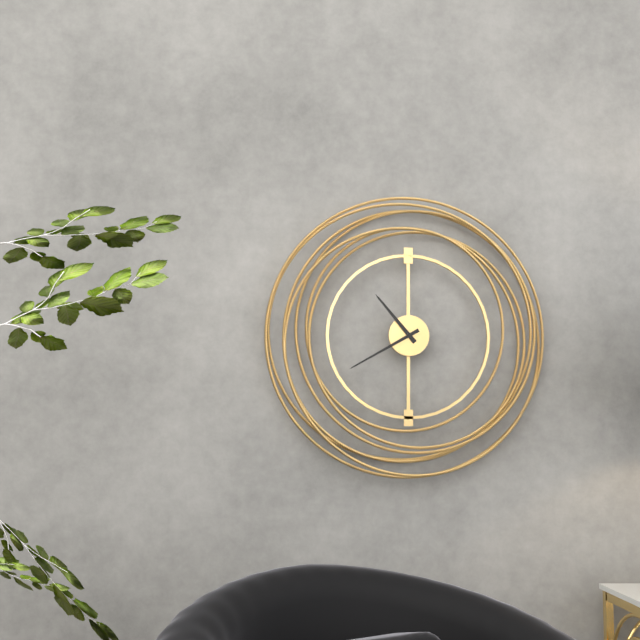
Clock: 10:40
